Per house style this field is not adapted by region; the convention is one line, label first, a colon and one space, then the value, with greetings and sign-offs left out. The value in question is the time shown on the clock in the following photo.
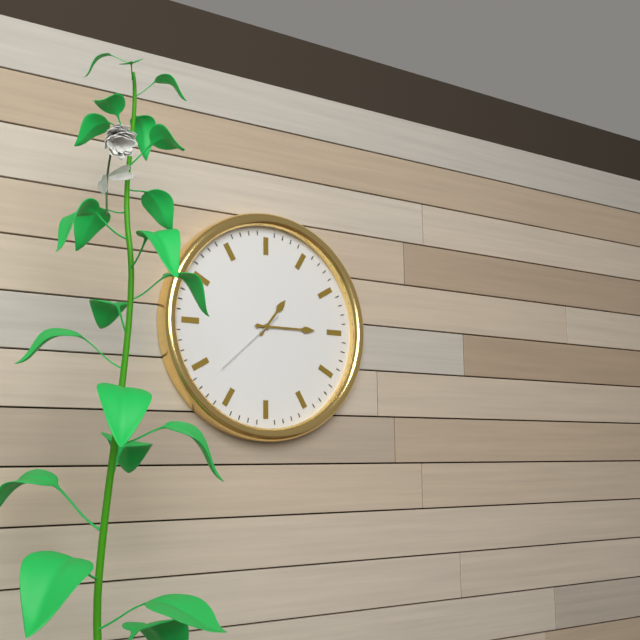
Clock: 1:15:38
